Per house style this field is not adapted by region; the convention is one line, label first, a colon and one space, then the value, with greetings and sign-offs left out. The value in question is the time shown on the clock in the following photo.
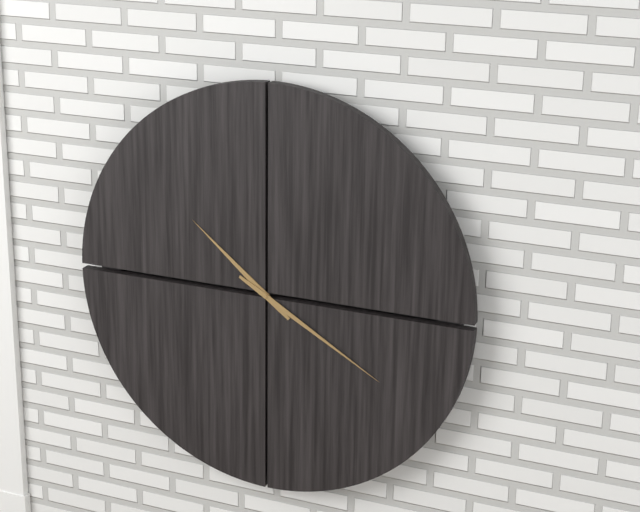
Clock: 10:20
